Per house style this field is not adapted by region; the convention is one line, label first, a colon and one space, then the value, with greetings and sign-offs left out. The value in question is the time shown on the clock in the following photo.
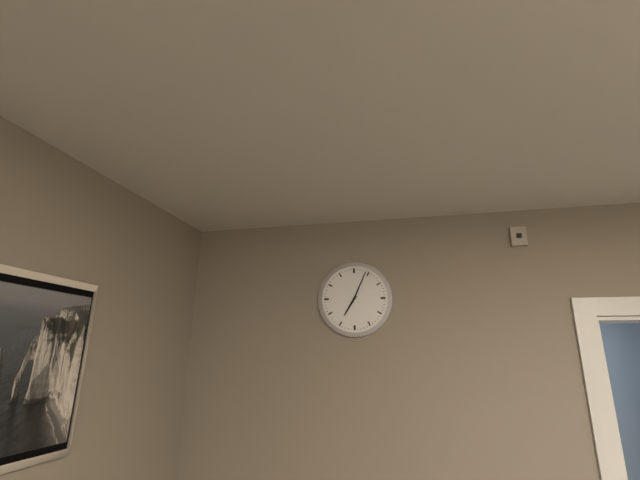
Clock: 7:04
